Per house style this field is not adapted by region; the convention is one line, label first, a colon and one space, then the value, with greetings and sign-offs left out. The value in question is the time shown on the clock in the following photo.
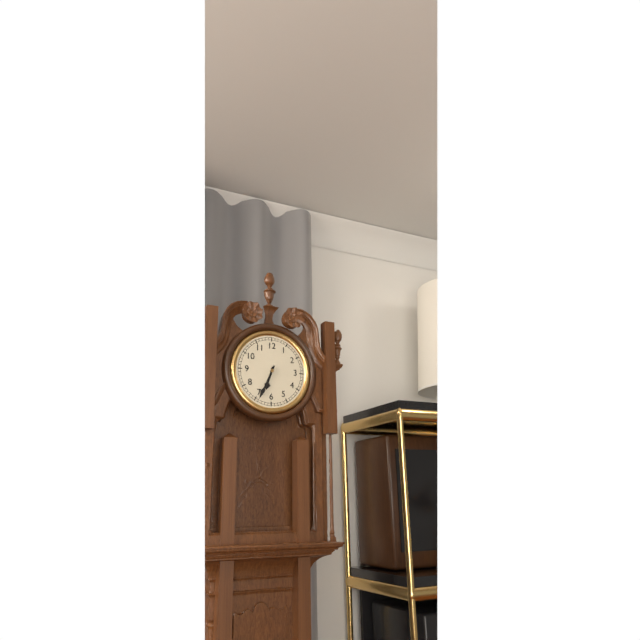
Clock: 6:34
